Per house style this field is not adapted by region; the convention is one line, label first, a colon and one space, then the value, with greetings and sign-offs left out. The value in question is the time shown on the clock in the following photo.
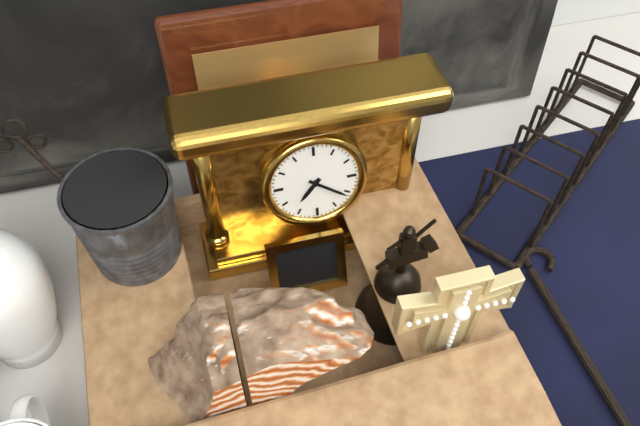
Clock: 7:21
